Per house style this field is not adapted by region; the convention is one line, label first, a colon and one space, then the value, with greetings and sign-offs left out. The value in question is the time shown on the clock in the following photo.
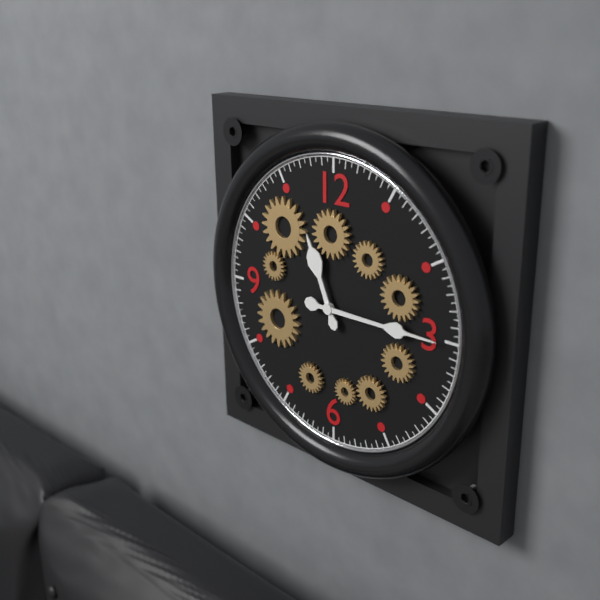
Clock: 11:15
